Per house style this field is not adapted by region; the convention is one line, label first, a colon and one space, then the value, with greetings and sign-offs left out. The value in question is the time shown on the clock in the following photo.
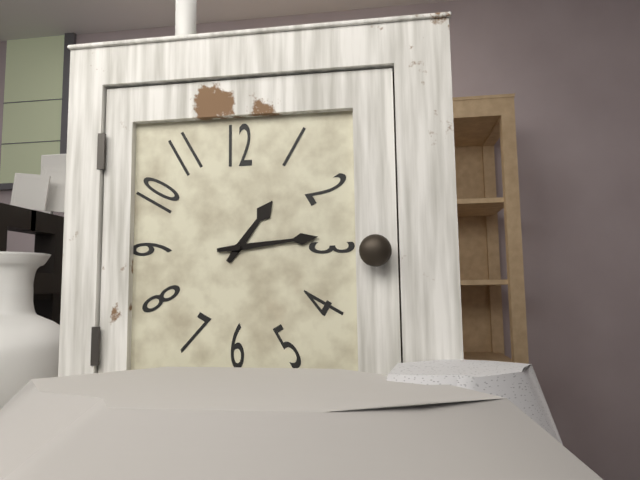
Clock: 1:14
